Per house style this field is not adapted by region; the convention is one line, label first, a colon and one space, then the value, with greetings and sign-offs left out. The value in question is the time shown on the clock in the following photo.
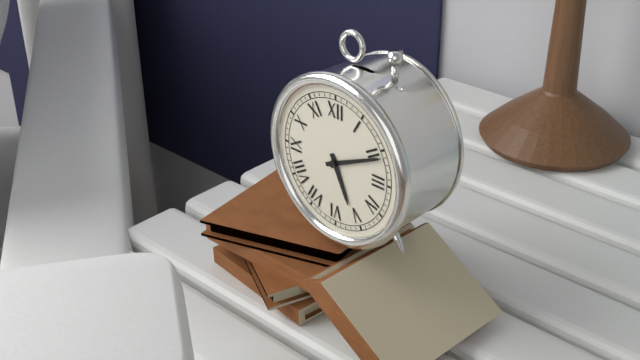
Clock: 5:11
